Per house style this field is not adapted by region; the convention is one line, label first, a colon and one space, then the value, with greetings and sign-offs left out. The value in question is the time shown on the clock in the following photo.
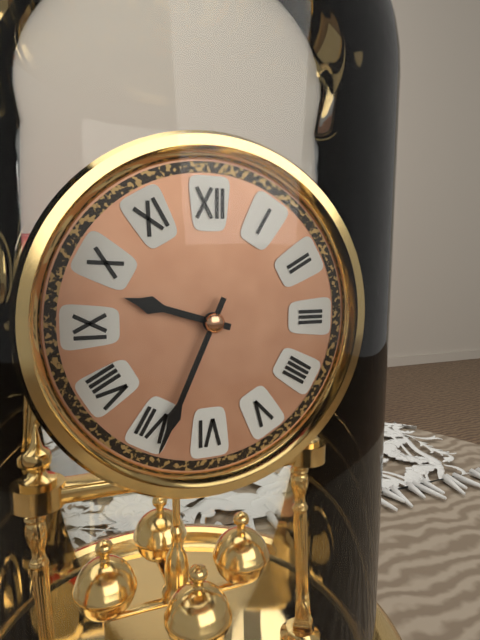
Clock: 9:34
